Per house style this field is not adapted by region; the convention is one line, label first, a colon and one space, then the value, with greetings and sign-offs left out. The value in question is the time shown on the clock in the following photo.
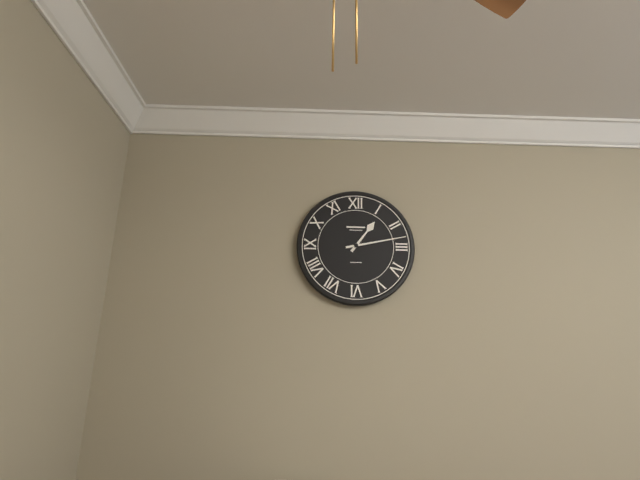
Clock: 1:13
